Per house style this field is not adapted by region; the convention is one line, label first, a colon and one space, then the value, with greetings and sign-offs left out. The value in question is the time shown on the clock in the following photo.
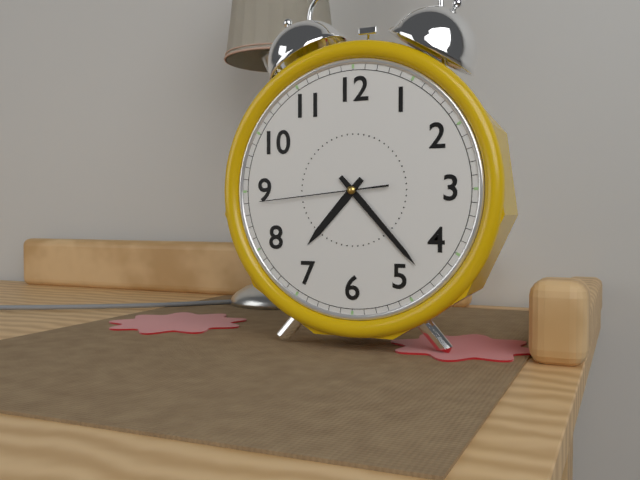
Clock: 7:23:44
